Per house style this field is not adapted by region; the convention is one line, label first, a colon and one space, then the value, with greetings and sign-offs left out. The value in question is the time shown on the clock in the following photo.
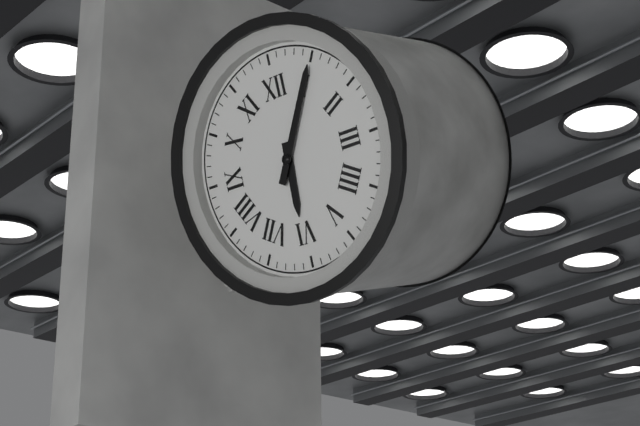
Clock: 6:05
